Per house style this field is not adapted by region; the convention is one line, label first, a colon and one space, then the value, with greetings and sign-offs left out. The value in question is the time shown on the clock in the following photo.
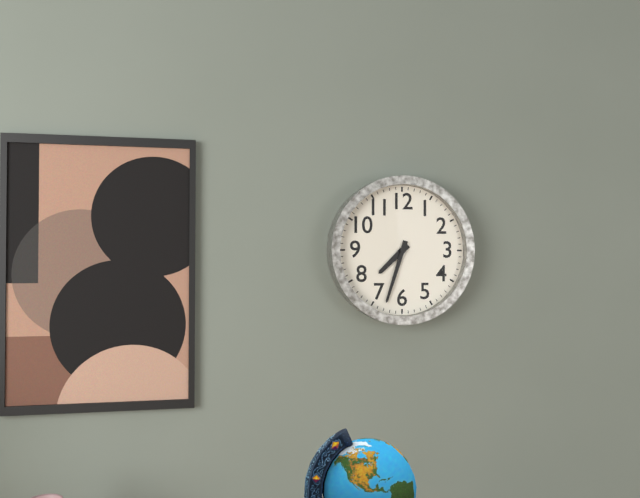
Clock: 7:33
